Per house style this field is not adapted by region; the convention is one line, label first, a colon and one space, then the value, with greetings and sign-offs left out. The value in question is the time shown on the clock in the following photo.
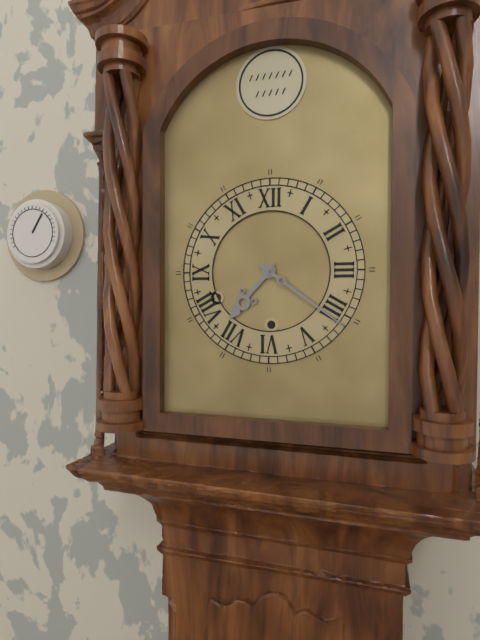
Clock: 7:21
